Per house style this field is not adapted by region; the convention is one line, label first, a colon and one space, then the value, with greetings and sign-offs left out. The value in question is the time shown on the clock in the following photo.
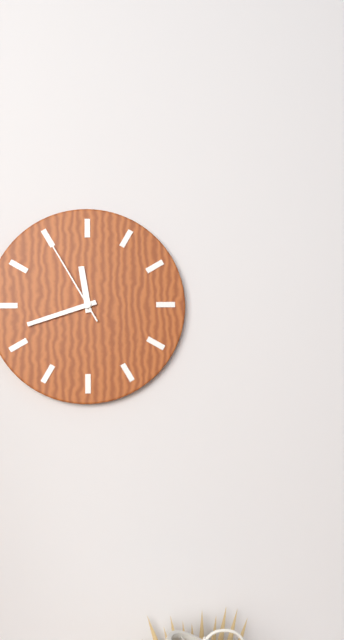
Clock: 11:42:55
